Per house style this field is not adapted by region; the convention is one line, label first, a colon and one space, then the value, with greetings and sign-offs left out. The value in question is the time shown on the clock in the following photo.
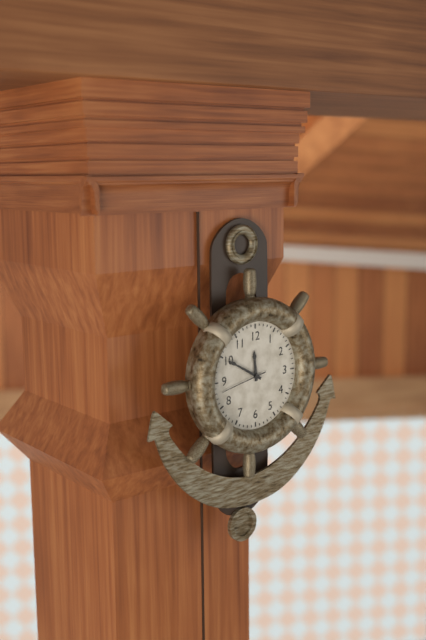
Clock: 11:50
